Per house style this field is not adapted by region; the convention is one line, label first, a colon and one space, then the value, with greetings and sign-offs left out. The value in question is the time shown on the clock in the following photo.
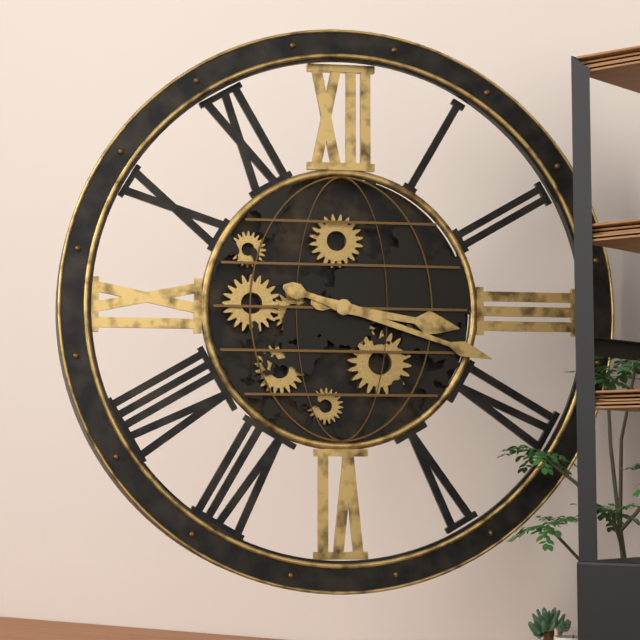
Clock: 3:18
